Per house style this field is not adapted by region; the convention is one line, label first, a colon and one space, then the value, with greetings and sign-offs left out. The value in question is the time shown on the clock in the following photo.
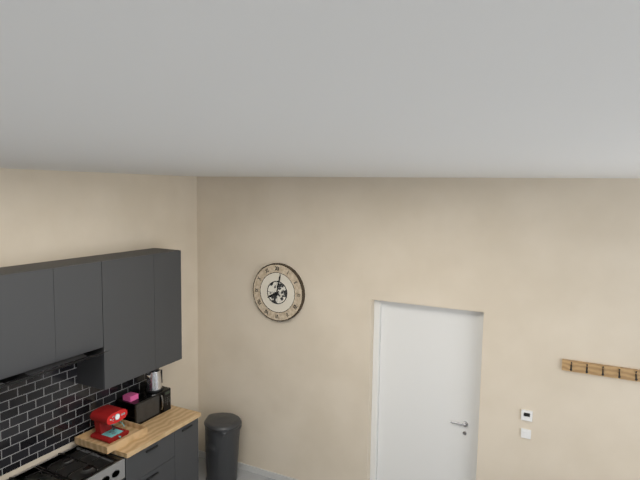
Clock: 8:02
